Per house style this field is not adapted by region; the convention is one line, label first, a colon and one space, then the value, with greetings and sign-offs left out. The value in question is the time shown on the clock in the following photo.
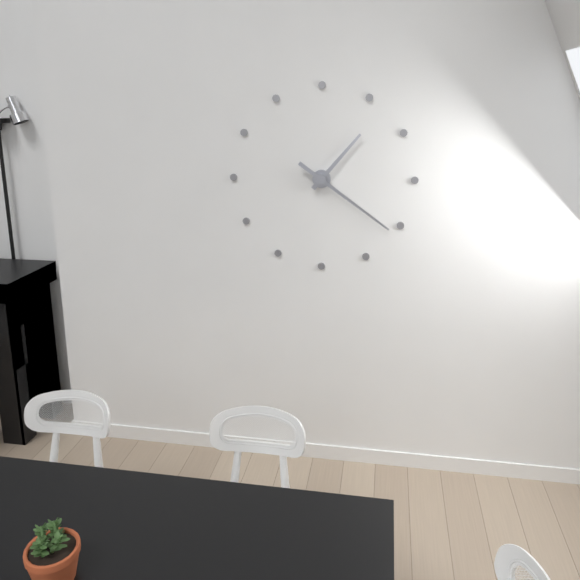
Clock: 1:21
